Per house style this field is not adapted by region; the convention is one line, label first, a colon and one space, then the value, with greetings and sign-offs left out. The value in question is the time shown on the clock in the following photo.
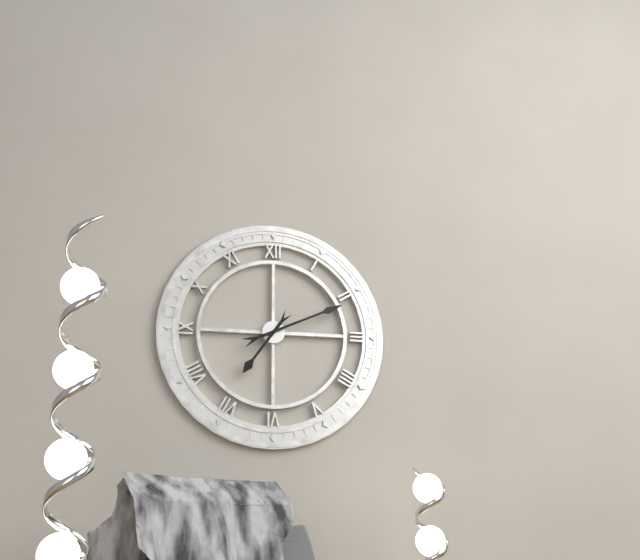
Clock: 7:11
